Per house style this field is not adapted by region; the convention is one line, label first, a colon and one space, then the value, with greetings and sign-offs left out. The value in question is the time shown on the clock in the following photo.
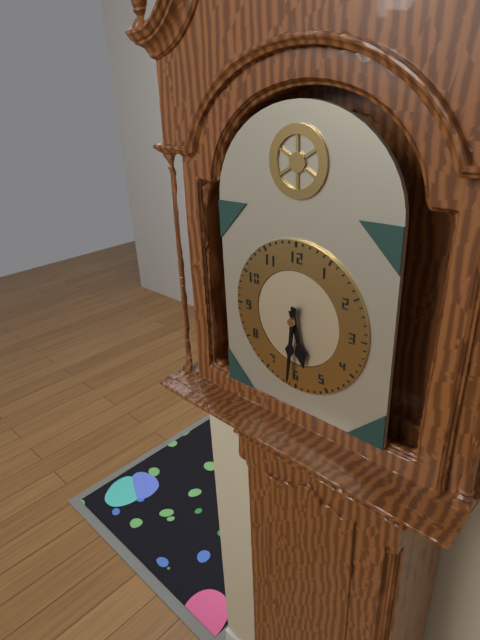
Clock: 5:31
